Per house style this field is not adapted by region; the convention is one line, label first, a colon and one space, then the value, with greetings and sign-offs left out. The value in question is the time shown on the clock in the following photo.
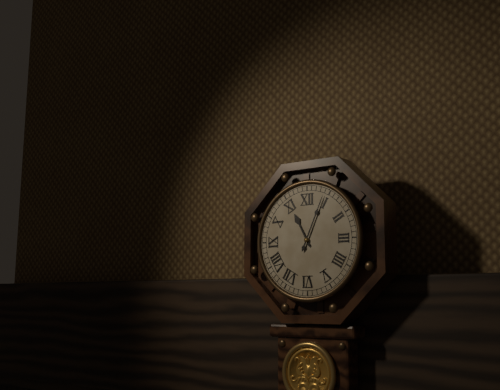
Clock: 11:04
